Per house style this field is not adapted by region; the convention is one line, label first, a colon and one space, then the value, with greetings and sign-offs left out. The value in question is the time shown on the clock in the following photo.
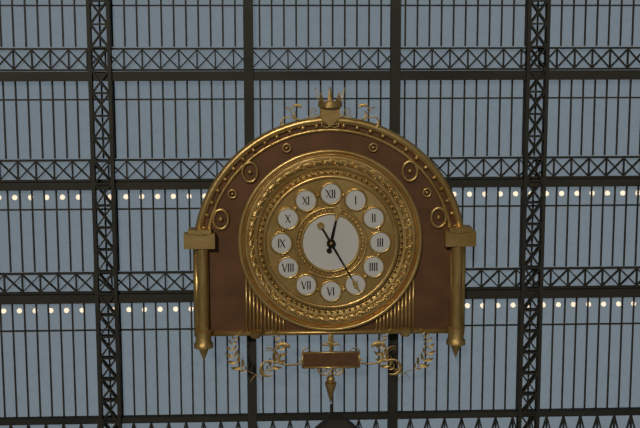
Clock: 12:25
